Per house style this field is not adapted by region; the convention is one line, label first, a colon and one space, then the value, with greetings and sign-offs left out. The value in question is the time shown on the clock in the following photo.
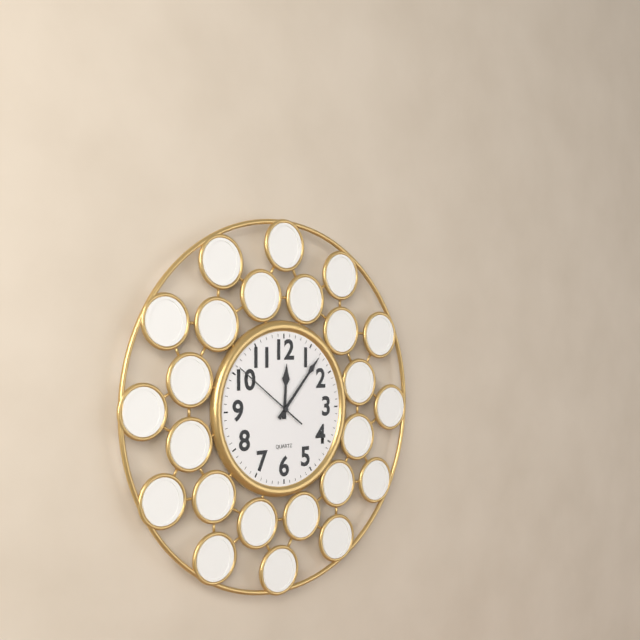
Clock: 12:07:51
